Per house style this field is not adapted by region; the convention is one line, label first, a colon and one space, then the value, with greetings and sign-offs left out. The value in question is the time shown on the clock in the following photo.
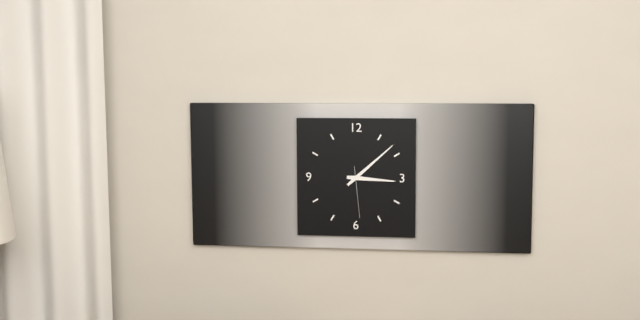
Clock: 3:08:29
